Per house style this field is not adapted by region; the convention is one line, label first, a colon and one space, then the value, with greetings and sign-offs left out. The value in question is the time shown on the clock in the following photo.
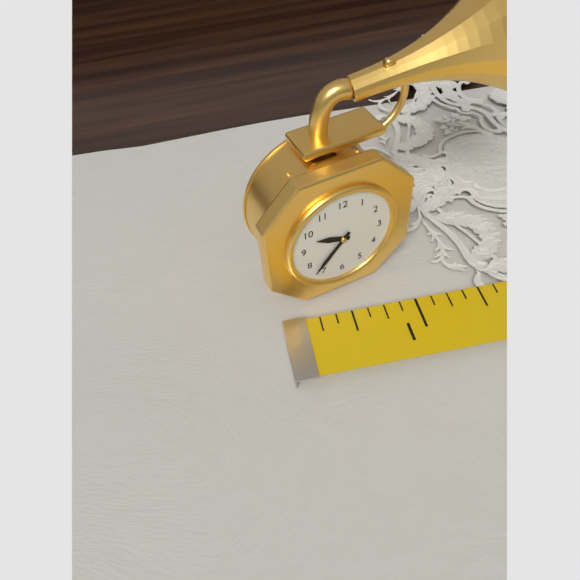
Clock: 9:37
